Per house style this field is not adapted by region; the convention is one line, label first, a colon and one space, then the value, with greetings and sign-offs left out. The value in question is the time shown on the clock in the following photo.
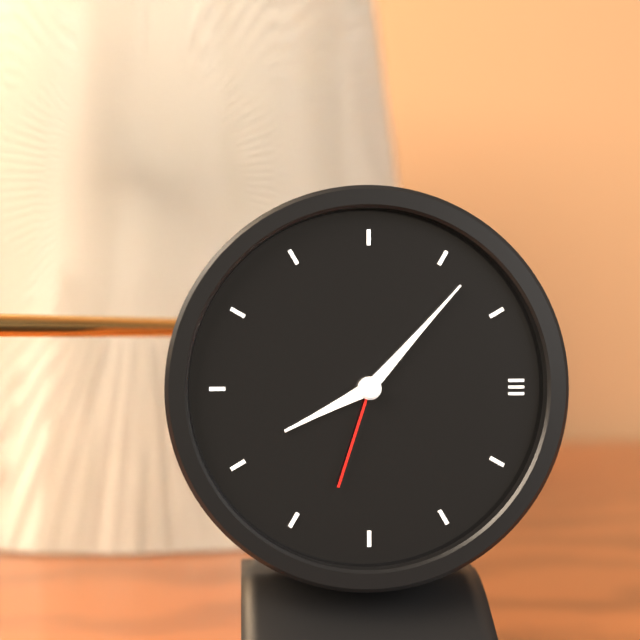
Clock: 8:07:33
